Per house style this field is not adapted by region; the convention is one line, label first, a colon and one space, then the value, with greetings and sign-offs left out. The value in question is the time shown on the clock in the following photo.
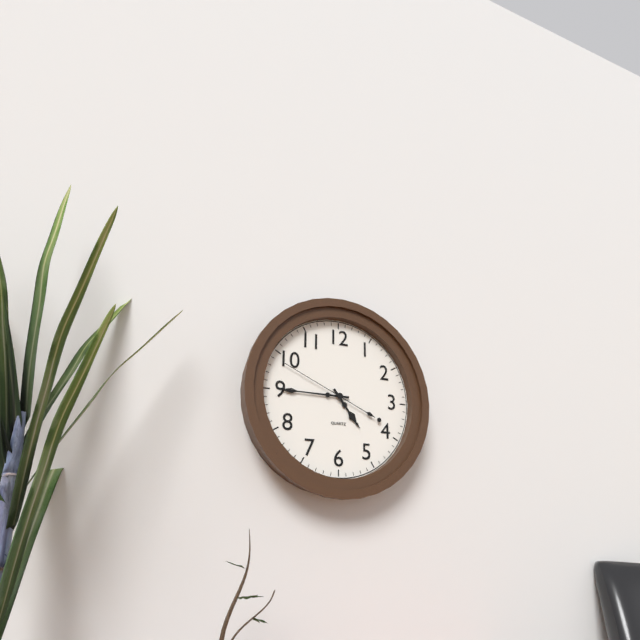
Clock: 4:45:49
